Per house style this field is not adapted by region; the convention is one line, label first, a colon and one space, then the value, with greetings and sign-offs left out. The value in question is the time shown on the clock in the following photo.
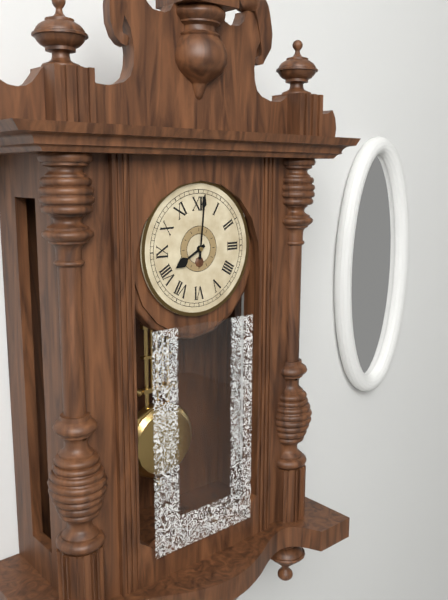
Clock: 8:01
